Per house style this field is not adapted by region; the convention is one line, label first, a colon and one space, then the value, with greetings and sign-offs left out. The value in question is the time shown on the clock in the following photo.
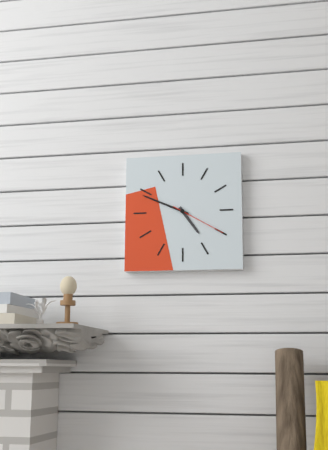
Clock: 4:49:20
